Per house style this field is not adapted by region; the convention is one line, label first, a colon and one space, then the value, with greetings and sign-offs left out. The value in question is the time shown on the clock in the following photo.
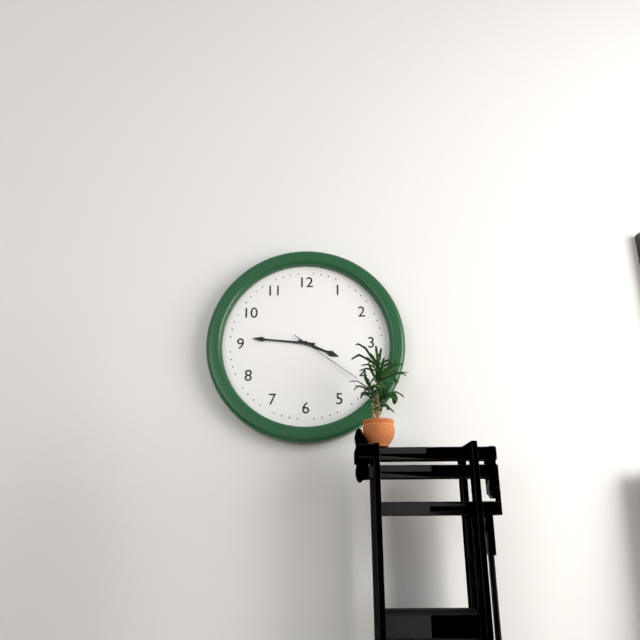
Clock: 3:46:21
